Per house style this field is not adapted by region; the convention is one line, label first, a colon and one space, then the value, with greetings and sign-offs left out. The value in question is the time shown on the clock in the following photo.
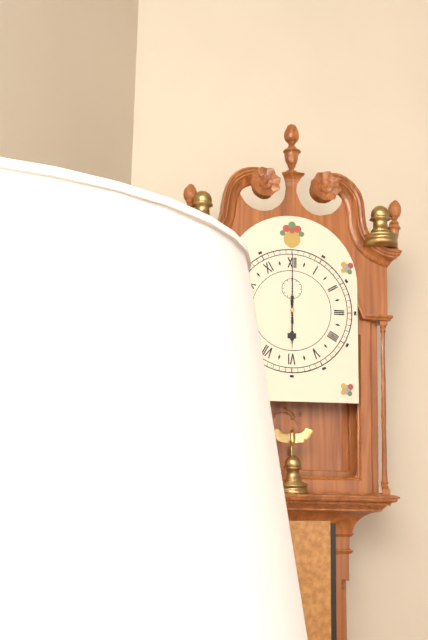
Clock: 6:00
